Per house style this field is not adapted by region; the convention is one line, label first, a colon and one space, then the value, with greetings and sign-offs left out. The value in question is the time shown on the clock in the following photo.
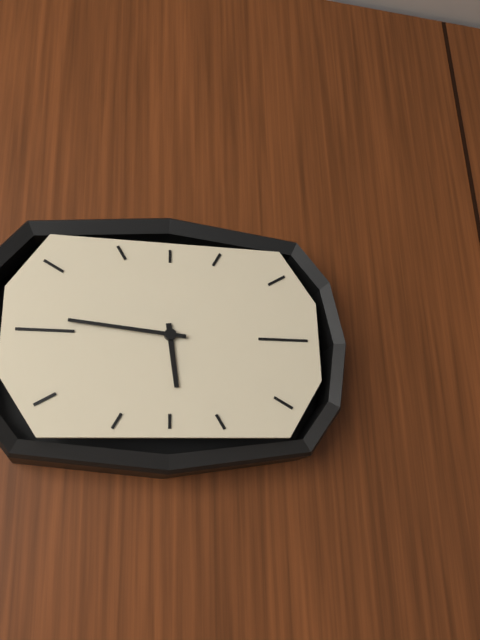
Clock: 5:46
